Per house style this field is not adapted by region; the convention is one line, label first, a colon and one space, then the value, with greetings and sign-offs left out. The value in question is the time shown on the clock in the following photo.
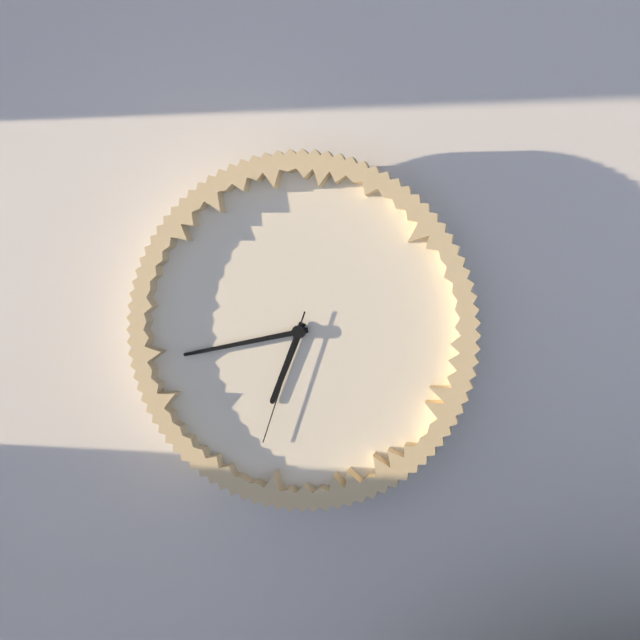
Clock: 6:43:33
